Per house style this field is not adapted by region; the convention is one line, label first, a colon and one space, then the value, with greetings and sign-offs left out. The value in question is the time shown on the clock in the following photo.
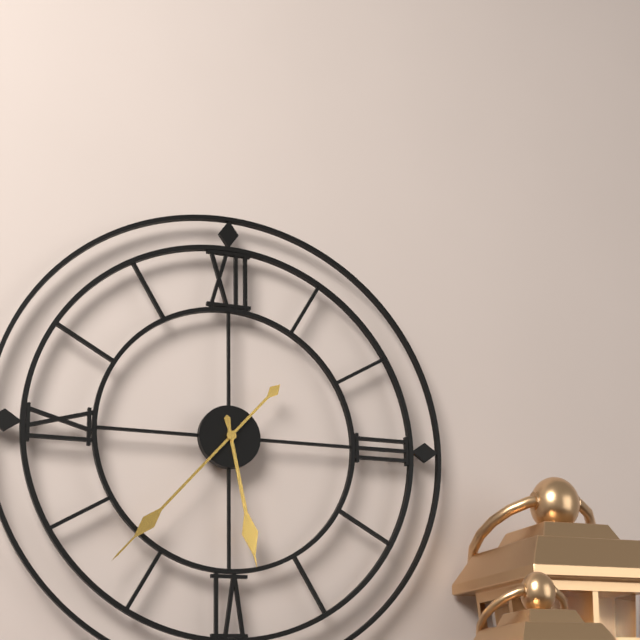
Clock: 5:37
